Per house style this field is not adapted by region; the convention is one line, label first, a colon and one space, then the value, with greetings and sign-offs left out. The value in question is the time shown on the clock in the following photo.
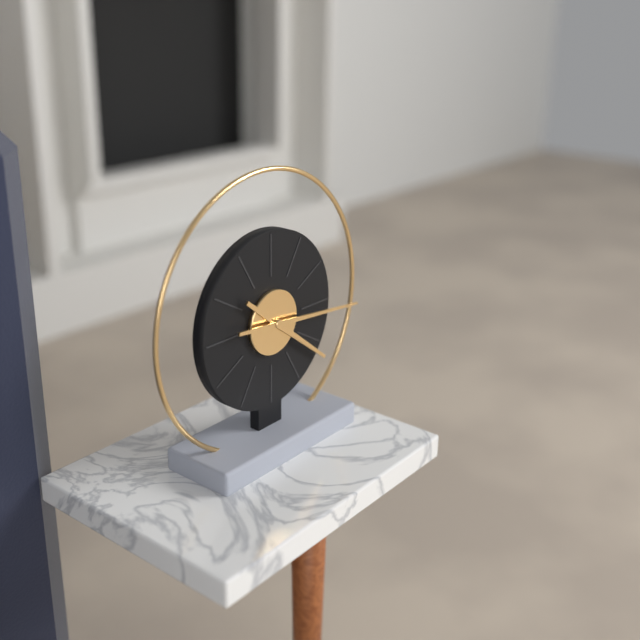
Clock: 4:16
